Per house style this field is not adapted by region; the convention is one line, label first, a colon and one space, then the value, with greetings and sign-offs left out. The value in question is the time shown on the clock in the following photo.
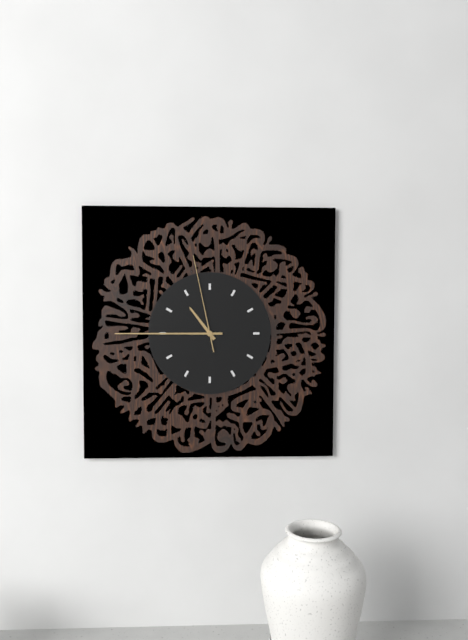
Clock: 10:45:58
